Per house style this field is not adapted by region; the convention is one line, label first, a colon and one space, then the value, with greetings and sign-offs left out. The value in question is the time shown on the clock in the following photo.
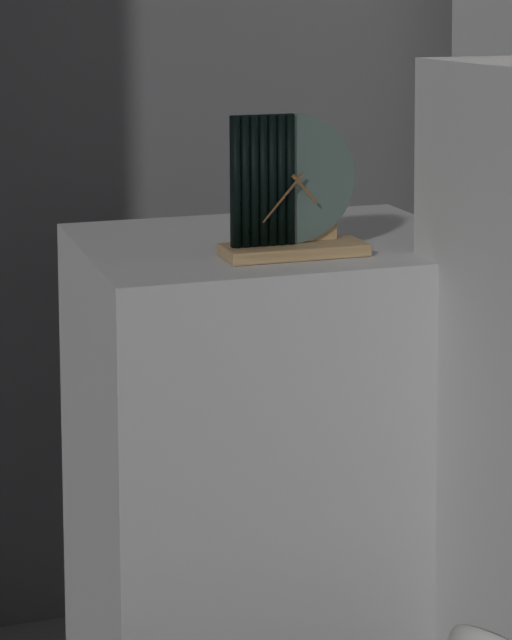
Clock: 4:37
